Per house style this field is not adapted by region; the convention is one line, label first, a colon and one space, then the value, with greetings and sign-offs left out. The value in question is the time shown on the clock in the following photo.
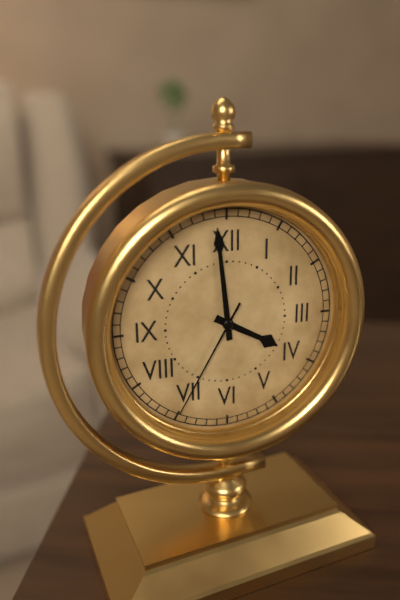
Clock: 3:59:35
